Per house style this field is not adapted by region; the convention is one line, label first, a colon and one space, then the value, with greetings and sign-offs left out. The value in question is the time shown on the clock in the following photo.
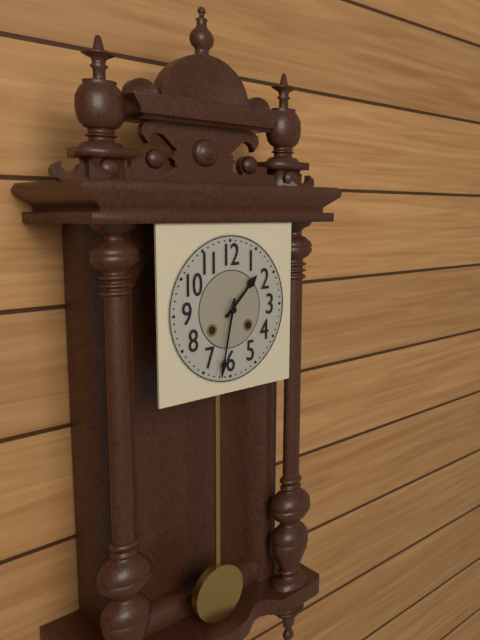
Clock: 1:32
